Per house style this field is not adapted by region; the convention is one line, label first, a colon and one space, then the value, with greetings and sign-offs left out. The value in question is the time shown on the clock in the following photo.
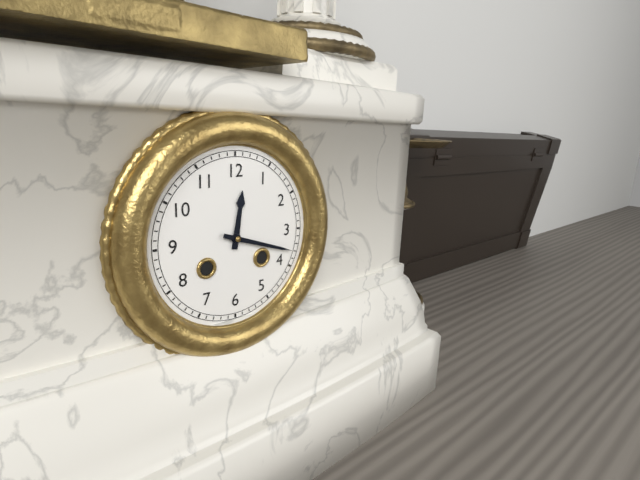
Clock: 12:18
